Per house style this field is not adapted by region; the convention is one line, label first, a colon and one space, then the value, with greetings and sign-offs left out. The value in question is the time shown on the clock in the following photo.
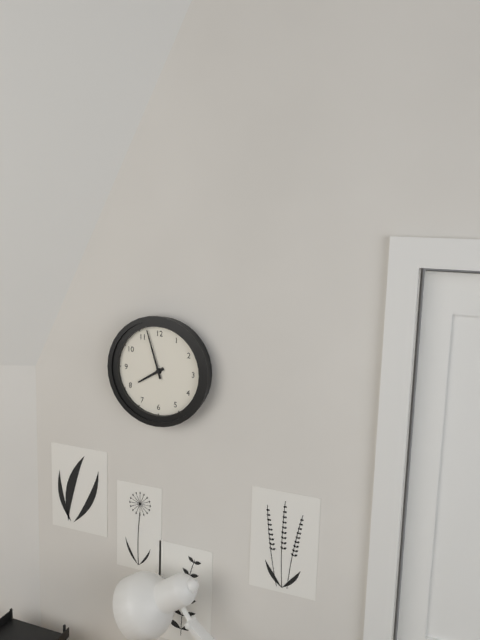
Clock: 7:57
